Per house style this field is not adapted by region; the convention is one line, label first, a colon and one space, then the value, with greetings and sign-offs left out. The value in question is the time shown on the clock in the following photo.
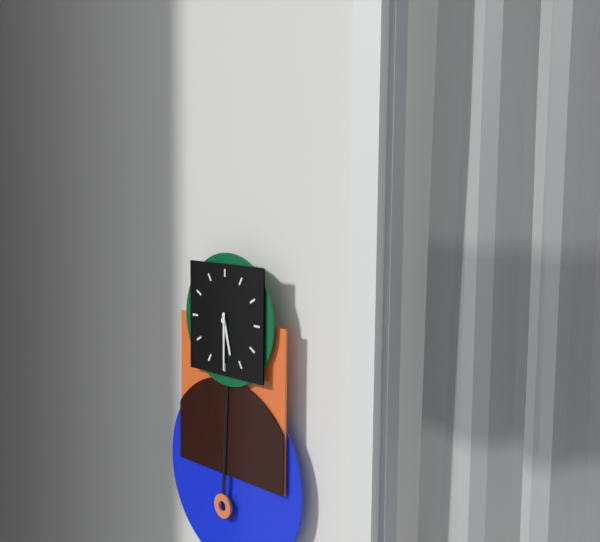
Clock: 5:30
